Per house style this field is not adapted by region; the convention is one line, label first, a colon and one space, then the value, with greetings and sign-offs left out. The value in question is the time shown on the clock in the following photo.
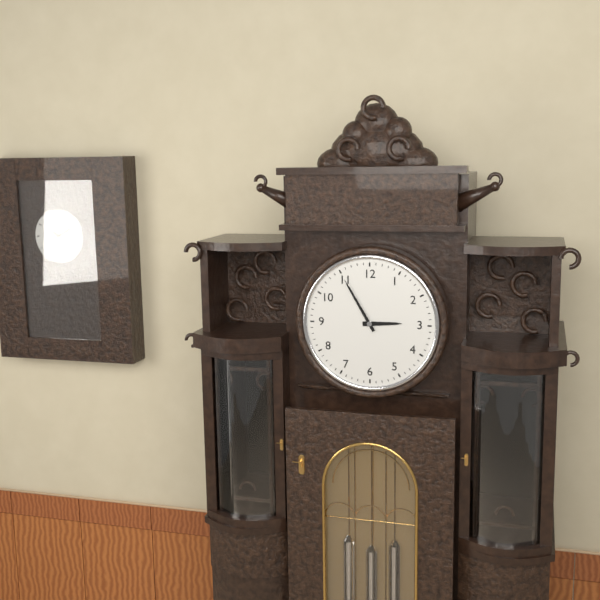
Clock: 2:55
